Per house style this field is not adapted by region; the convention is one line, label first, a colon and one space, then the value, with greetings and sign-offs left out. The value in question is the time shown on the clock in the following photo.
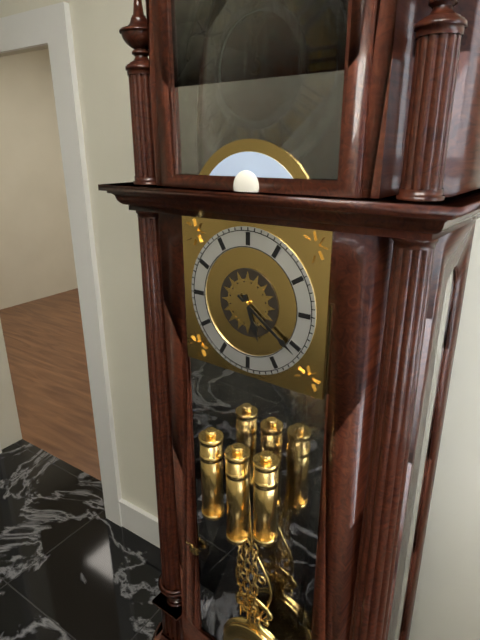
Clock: 5:21
